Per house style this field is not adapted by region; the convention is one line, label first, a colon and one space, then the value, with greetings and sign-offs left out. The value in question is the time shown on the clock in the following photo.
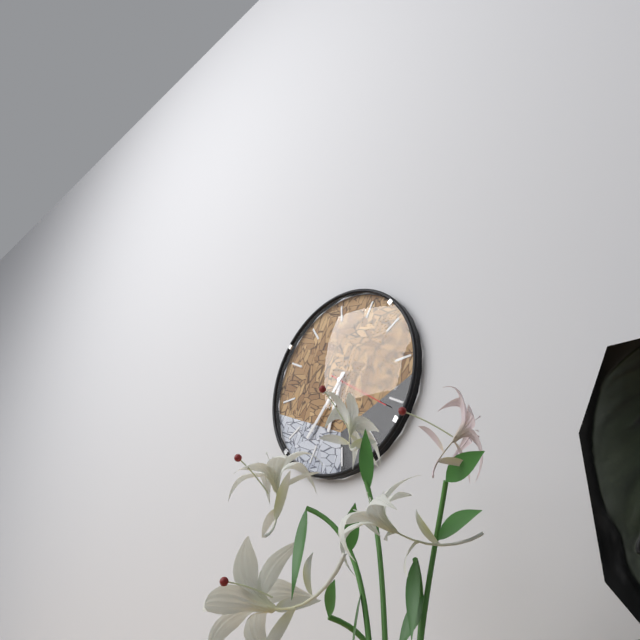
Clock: 6:37:21
